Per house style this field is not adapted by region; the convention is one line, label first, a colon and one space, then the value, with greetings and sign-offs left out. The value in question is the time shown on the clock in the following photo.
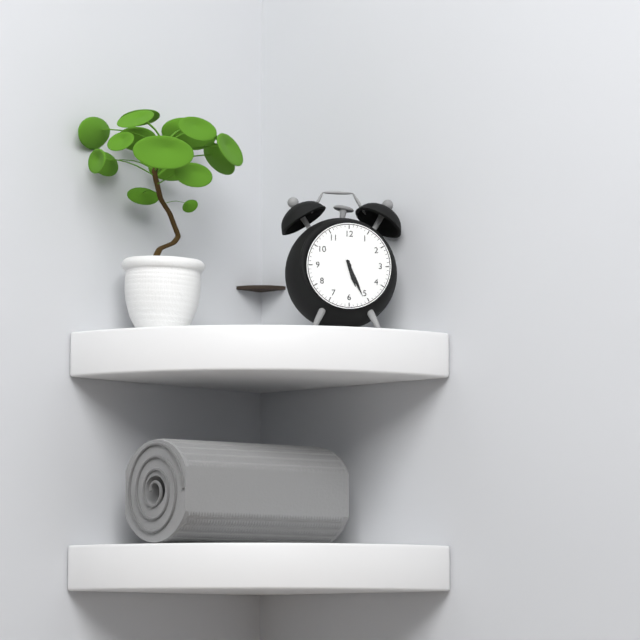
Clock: 5:26
